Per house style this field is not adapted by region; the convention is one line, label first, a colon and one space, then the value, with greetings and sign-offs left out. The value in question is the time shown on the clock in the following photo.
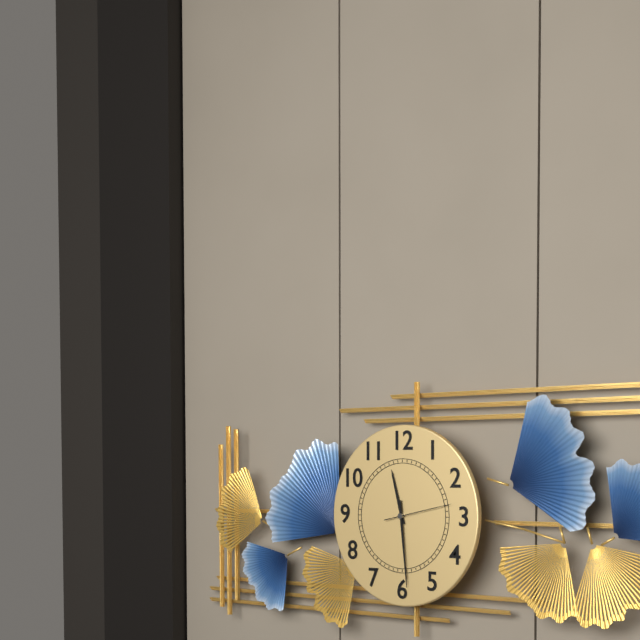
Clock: 11:29:13
